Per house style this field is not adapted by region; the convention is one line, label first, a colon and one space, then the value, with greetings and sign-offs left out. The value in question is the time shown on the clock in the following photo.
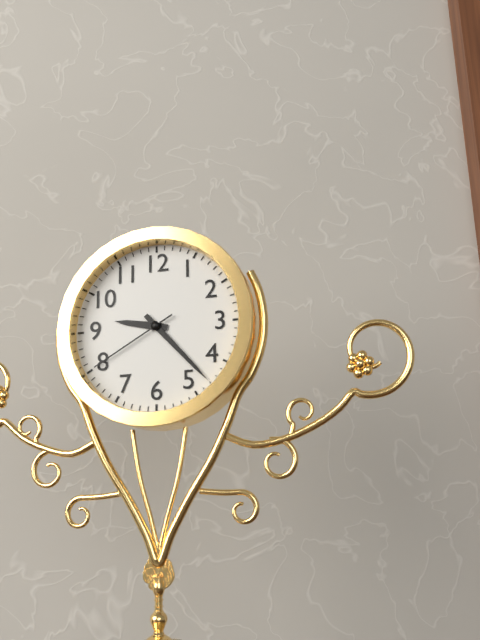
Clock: 9:23:40
